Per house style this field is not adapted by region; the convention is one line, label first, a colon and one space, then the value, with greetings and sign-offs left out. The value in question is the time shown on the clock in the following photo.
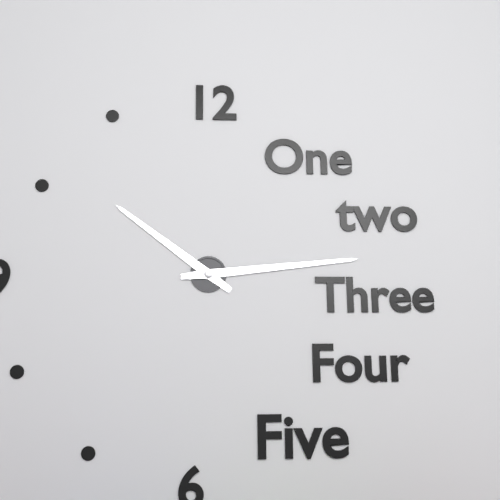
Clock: 10:14
